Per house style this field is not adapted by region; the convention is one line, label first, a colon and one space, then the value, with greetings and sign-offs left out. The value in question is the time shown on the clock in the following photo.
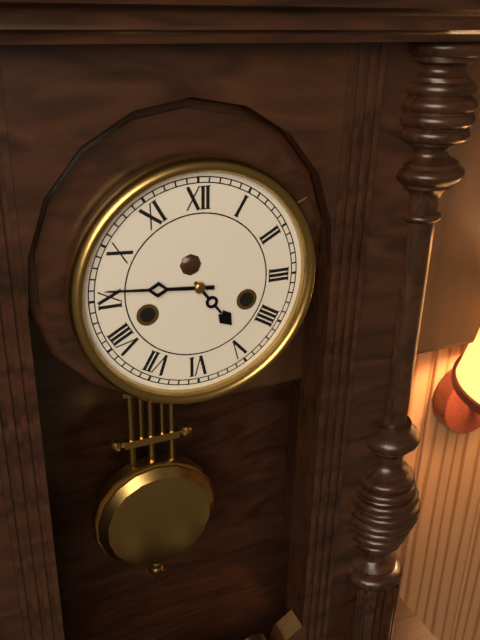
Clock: 4:46
